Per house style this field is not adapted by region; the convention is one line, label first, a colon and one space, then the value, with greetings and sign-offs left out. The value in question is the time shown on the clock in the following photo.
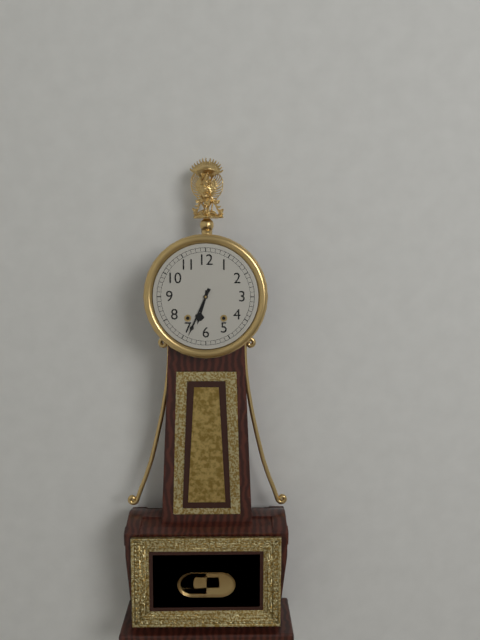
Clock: 6:34
